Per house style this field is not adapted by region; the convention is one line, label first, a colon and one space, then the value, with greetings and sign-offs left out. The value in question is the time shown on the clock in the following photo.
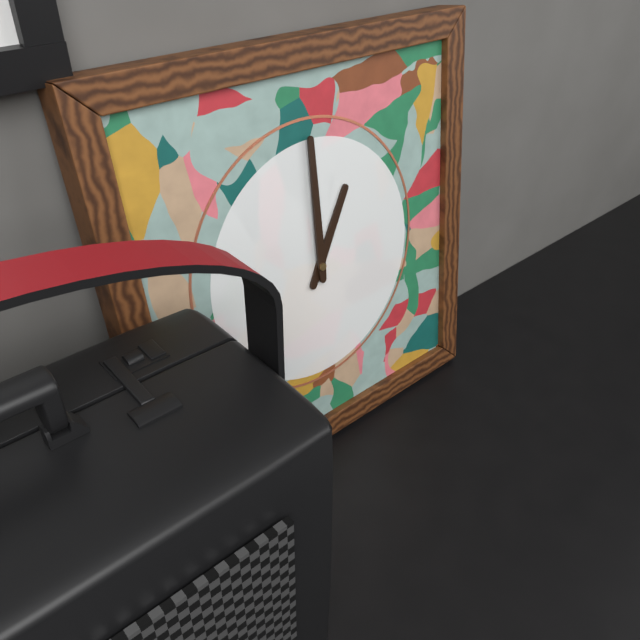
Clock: 1:00
